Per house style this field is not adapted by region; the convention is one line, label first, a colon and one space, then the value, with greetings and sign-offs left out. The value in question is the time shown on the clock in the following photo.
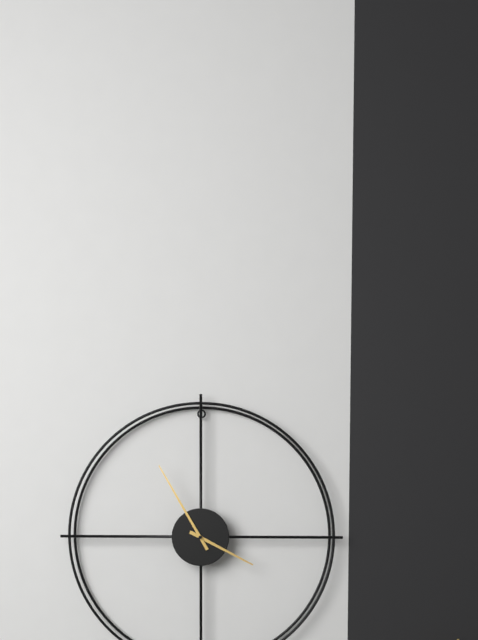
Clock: 3:55
